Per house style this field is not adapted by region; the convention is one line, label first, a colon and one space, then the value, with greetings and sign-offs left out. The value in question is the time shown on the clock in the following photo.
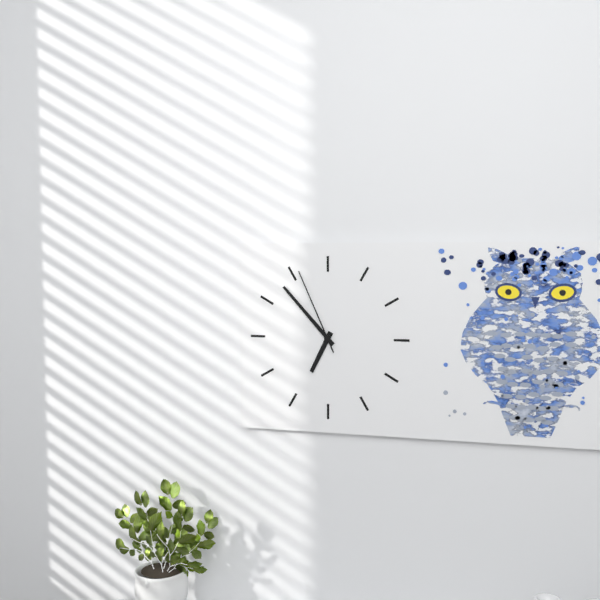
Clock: 6:53:56
